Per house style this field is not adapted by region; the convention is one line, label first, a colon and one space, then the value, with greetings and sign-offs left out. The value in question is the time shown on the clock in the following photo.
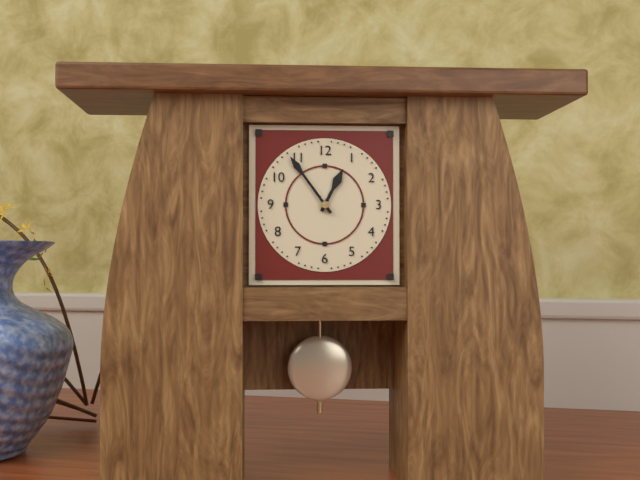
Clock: 12:54
